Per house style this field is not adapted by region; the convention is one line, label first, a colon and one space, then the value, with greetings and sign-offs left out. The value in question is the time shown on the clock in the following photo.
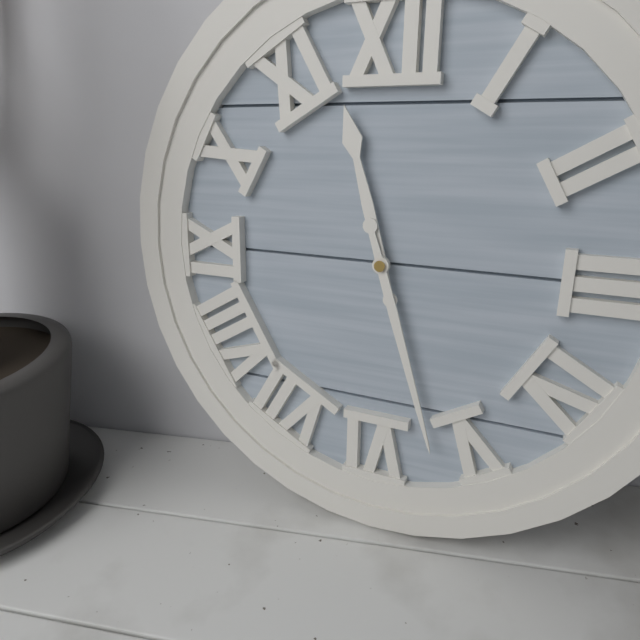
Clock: 11:27
